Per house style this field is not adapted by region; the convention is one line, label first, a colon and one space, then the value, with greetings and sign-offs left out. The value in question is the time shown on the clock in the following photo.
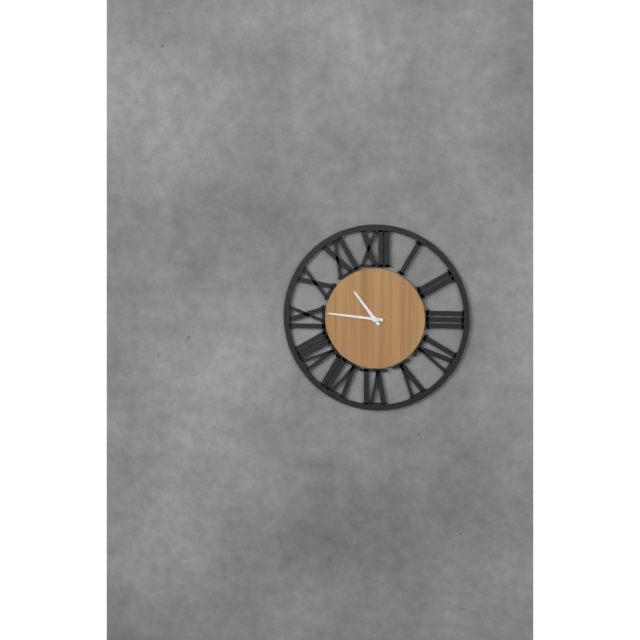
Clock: 10:46
